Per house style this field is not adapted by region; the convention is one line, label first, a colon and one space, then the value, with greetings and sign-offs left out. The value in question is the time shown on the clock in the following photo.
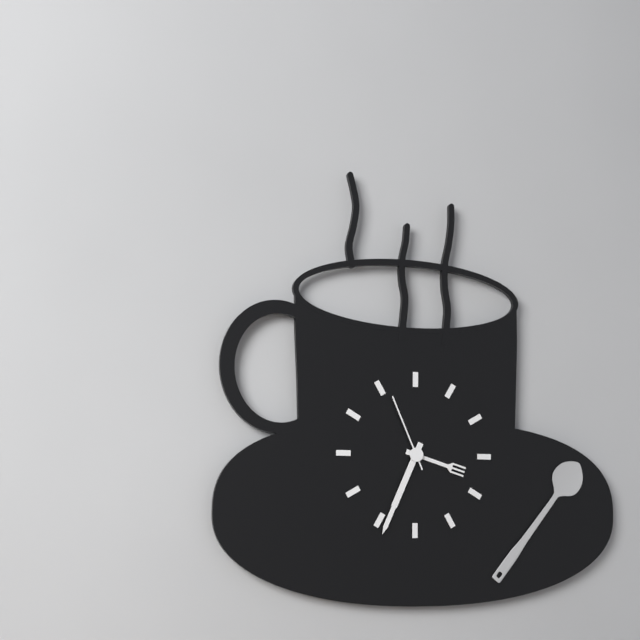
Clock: 3:34:56
